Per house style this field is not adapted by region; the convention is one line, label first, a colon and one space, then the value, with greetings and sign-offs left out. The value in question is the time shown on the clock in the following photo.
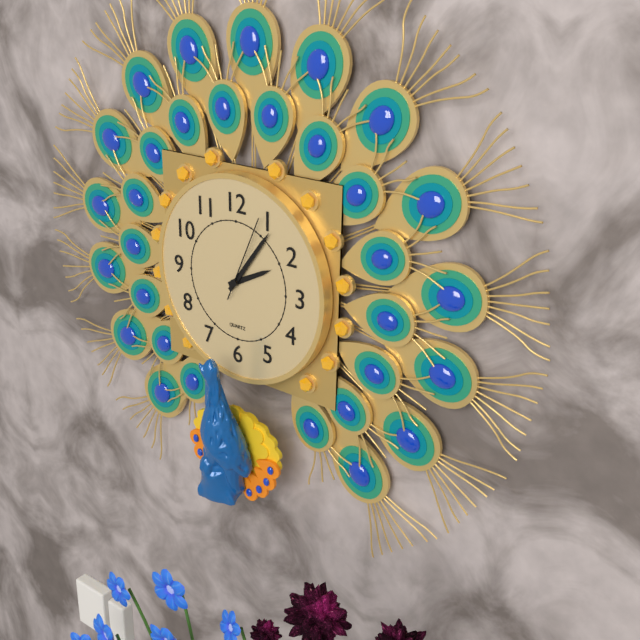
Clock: 2:06:04
